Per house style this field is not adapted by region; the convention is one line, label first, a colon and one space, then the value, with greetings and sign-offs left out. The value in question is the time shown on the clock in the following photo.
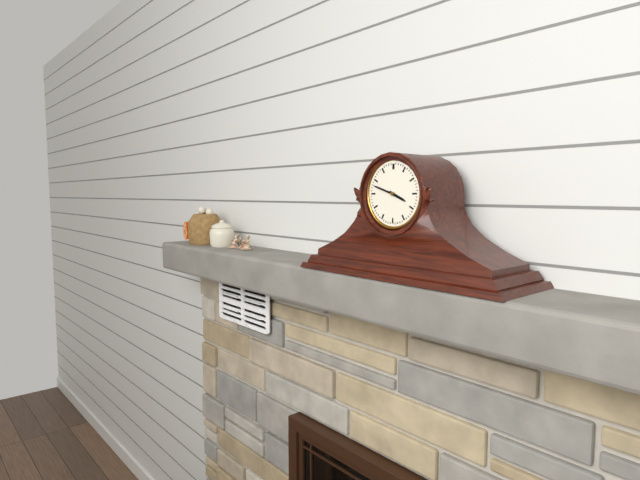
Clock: 3:48
